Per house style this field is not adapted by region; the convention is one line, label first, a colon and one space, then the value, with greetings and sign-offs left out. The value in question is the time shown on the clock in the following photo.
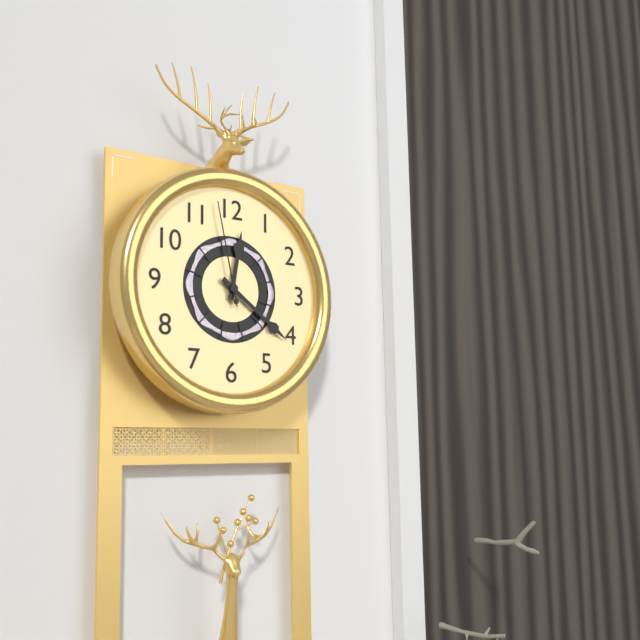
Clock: 12:21:58
